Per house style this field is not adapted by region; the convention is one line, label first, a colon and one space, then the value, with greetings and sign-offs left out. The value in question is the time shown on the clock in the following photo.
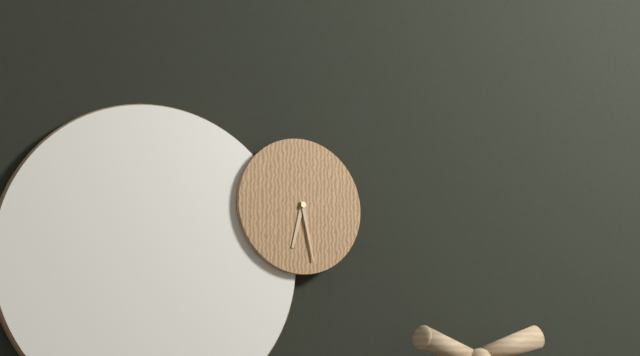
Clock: 6:28
